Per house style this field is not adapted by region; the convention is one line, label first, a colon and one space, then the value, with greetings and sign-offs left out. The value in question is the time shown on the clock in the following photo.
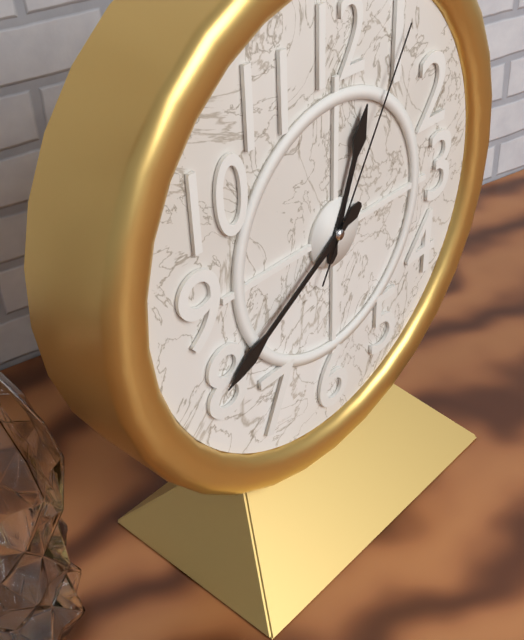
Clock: 12:40:05
